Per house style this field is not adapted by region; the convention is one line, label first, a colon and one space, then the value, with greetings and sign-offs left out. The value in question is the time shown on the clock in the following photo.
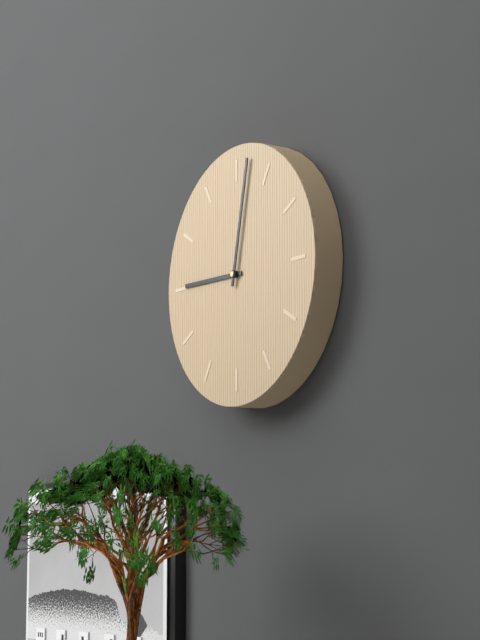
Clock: 9:02
